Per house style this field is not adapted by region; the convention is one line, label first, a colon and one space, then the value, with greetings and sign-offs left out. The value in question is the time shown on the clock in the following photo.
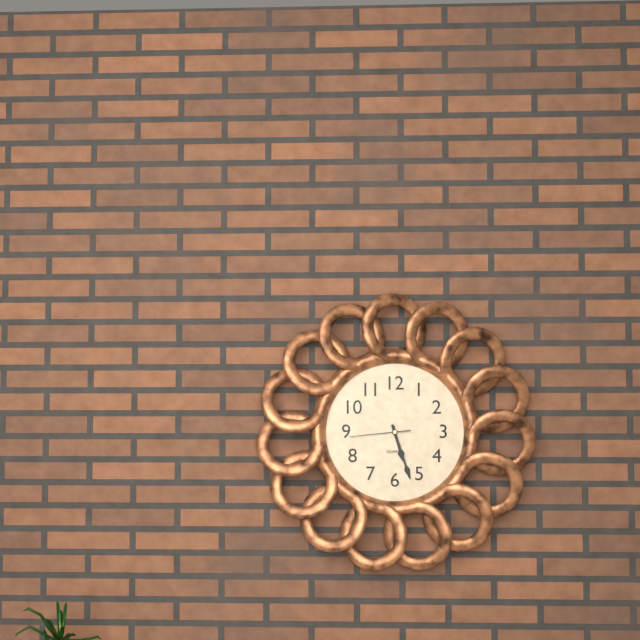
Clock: 5:27:44
